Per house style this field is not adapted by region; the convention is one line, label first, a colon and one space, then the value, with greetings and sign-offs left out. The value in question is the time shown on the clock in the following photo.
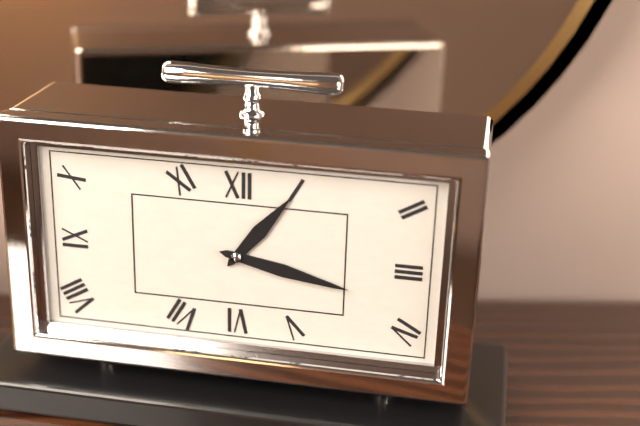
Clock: 1:17
